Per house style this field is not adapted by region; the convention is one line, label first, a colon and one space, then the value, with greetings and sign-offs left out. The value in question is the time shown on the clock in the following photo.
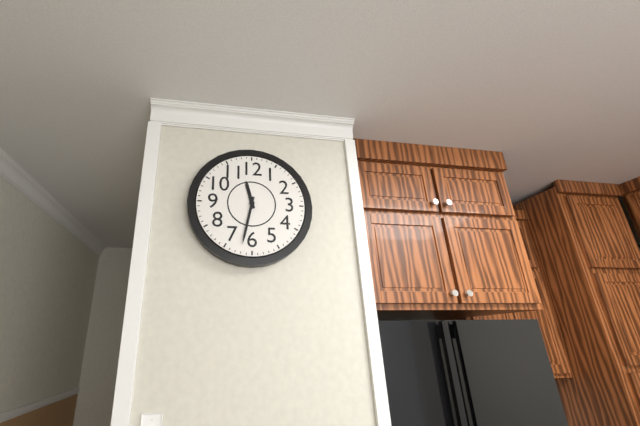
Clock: 11:32
